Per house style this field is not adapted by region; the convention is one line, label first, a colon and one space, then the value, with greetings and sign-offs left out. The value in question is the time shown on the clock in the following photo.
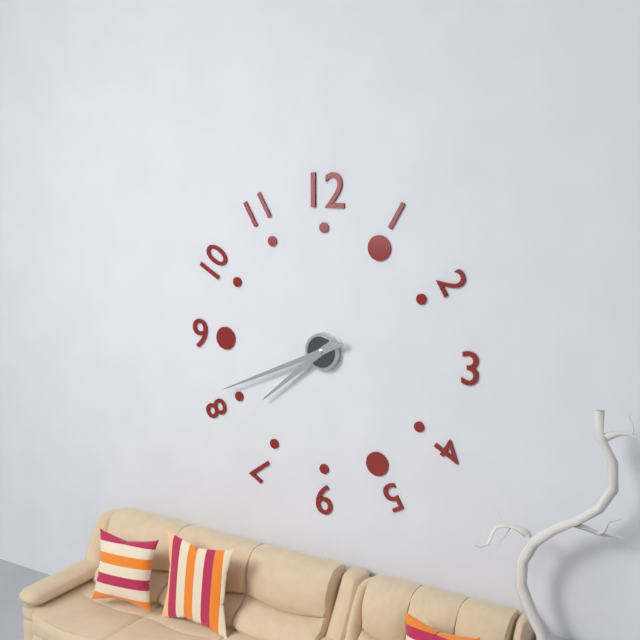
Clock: 7:41
